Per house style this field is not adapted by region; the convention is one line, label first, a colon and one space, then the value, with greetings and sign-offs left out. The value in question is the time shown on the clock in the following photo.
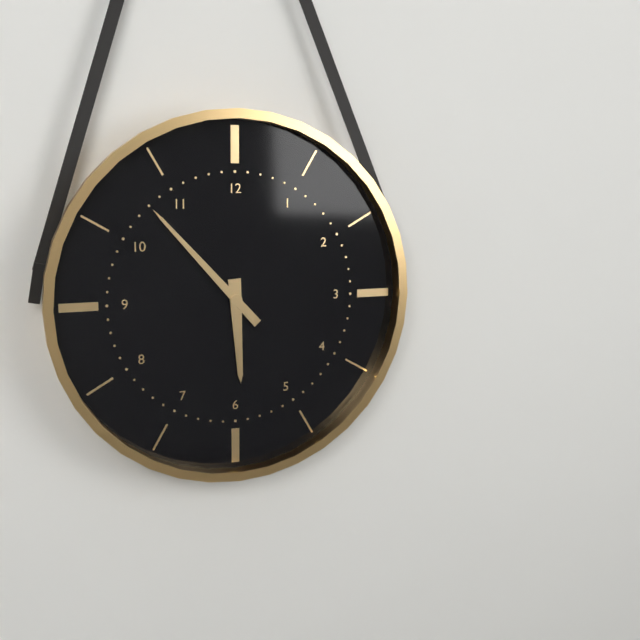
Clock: 5:53
